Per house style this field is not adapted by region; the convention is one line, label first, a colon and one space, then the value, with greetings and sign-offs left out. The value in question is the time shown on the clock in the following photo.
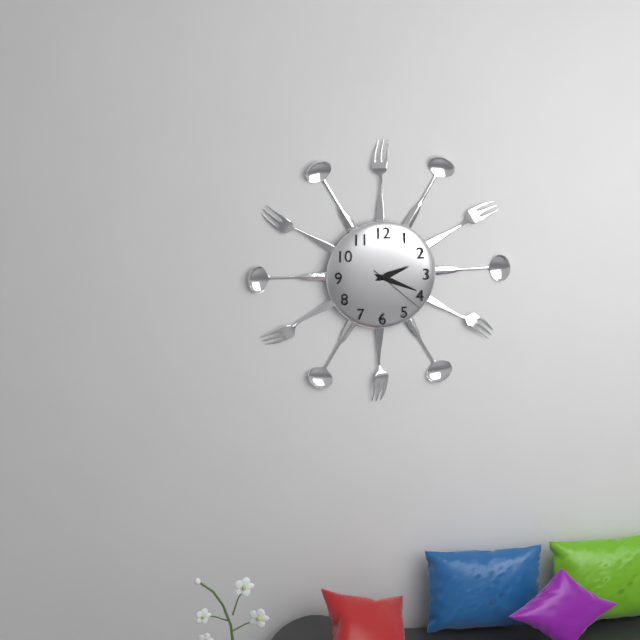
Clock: 2:19:22
